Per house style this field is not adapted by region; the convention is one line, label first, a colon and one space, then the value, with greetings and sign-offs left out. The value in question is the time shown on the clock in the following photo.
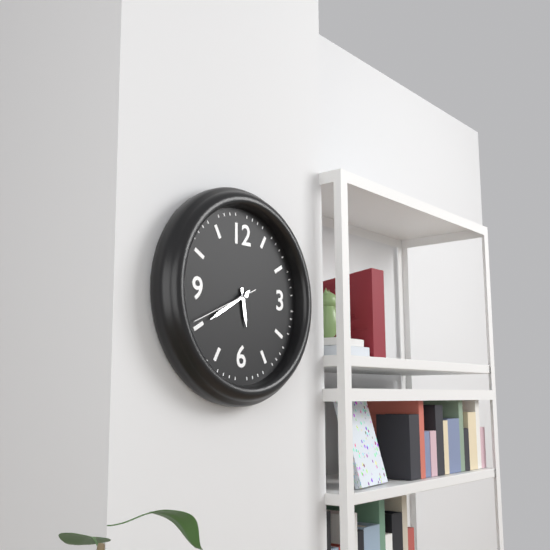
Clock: 5:40:41
